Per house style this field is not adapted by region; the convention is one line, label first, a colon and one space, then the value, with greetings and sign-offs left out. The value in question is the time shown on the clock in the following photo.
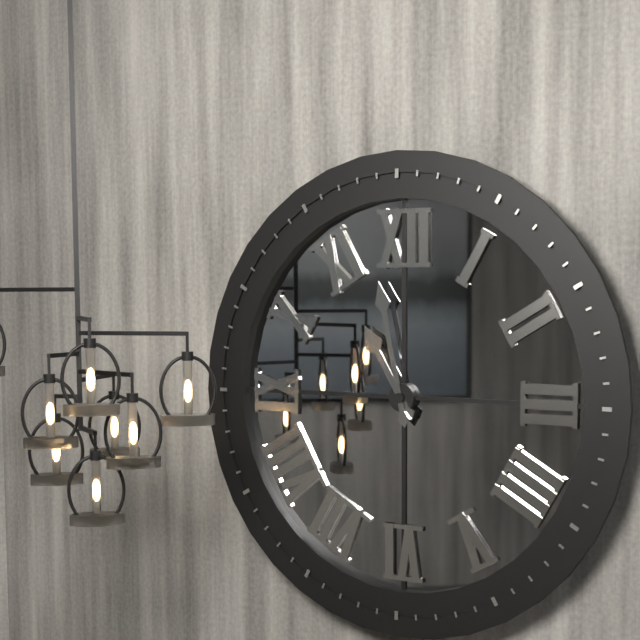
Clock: 10:58
